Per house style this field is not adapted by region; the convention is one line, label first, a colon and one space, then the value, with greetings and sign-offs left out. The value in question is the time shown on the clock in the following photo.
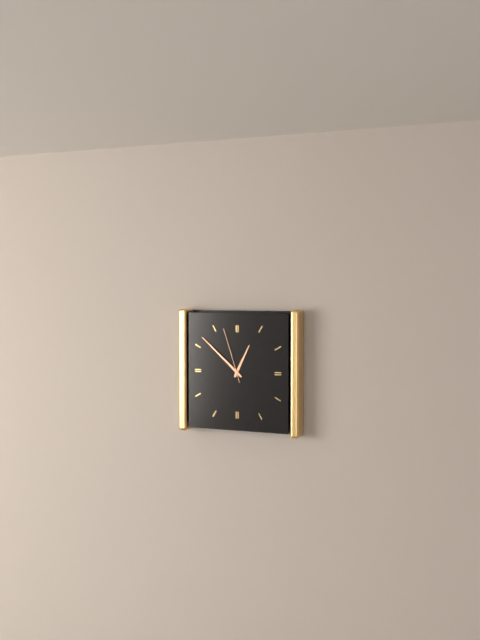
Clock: 12:52:57
